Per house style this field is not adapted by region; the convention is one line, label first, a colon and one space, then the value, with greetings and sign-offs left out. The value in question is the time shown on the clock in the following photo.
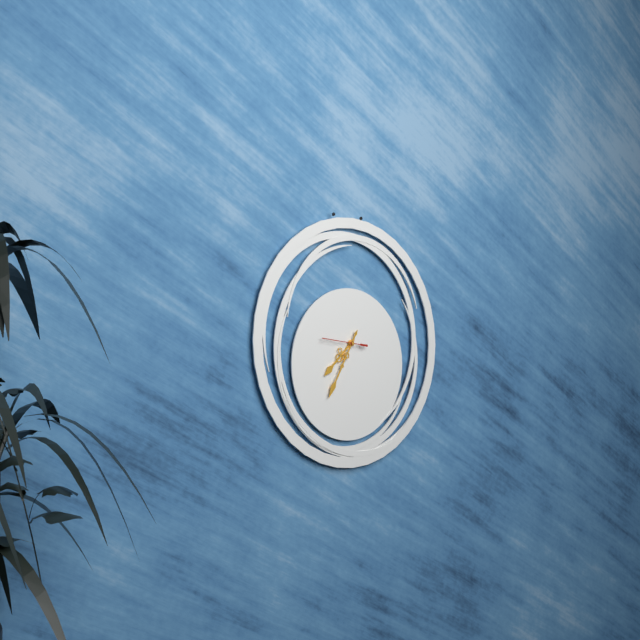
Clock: 7:35
